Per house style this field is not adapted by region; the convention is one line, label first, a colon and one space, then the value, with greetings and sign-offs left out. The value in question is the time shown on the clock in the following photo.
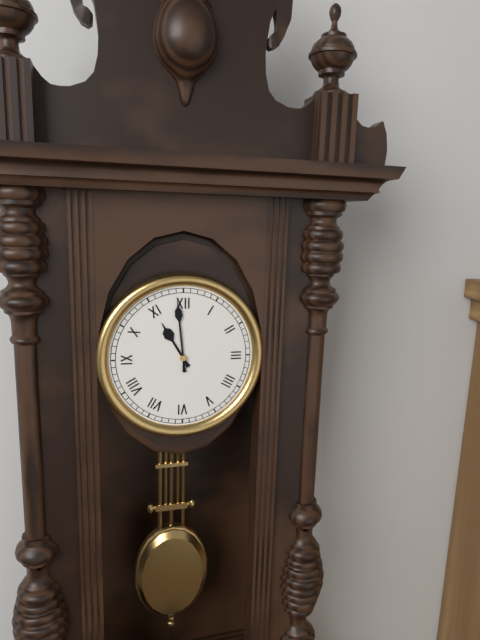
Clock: 10:59
